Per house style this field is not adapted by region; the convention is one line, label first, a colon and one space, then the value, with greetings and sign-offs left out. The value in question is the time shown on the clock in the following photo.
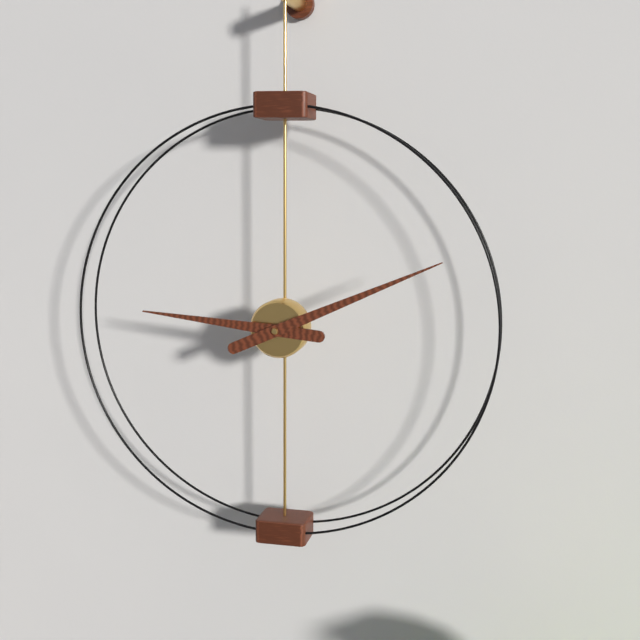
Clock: 9:11
